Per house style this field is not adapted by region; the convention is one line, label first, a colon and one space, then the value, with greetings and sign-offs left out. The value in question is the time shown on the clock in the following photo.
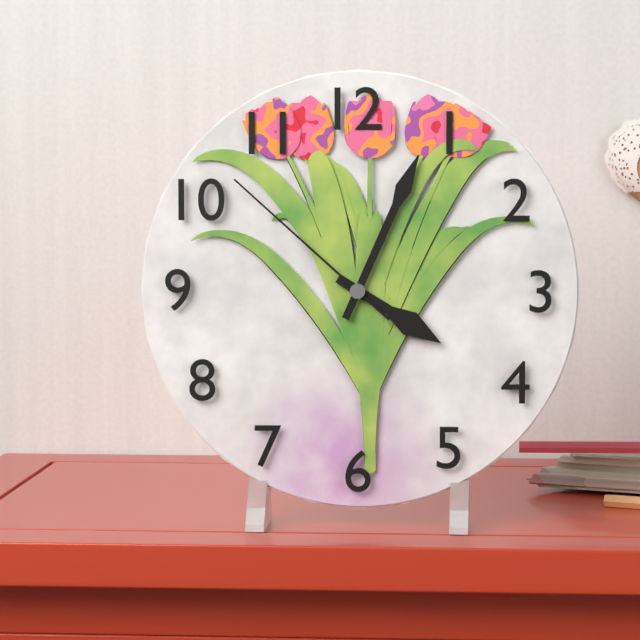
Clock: 4:04:52
